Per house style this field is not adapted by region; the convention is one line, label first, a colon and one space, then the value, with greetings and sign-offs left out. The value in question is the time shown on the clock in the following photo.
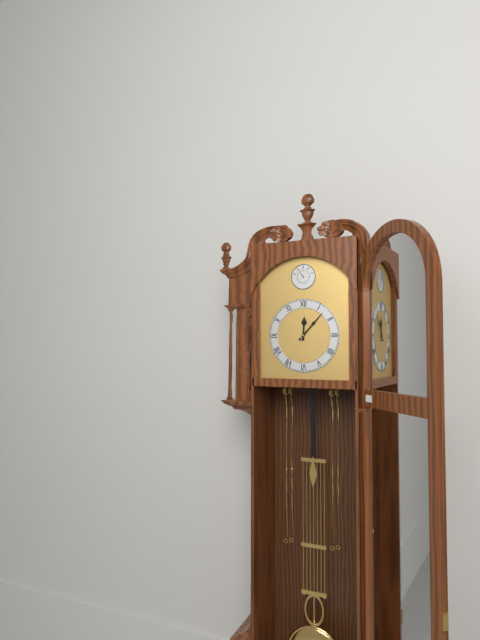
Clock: 12:07
